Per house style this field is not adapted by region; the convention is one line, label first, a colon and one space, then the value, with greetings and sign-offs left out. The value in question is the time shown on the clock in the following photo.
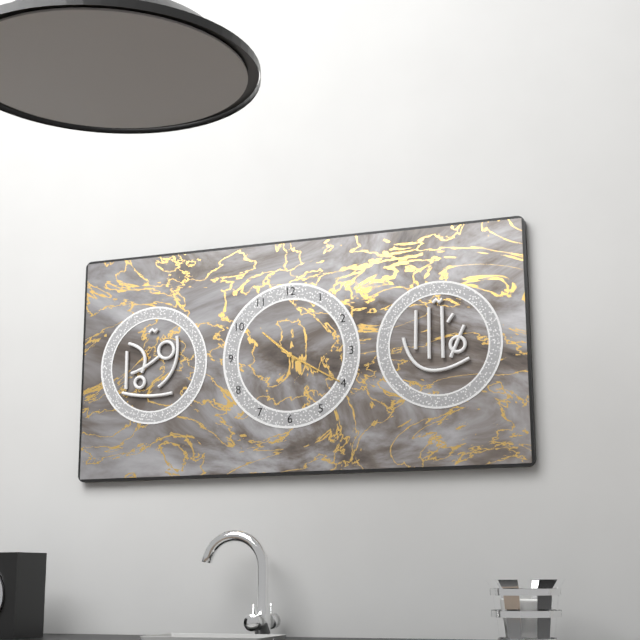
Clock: 10:20
